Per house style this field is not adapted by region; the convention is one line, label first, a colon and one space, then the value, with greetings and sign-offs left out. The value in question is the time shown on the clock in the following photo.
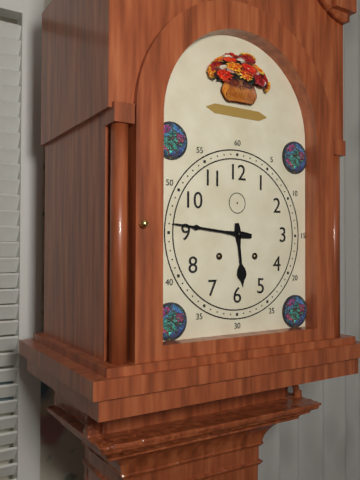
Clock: 5:46
